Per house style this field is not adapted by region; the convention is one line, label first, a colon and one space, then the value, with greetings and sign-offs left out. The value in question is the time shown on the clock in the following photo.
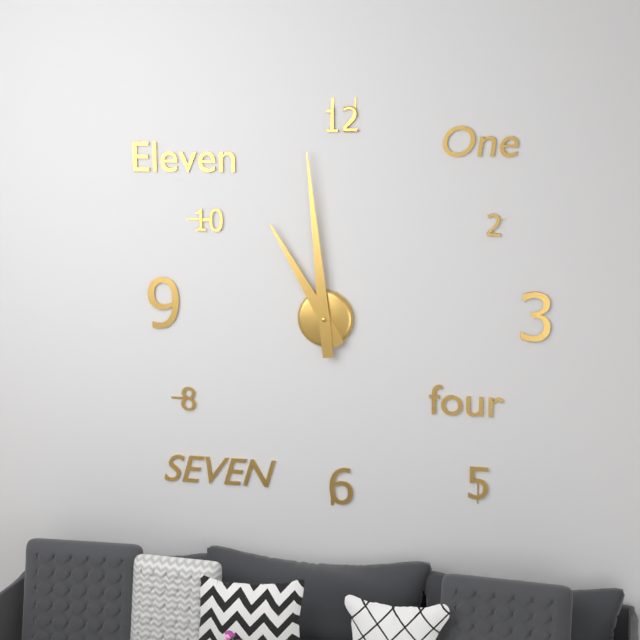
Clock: 10:59
